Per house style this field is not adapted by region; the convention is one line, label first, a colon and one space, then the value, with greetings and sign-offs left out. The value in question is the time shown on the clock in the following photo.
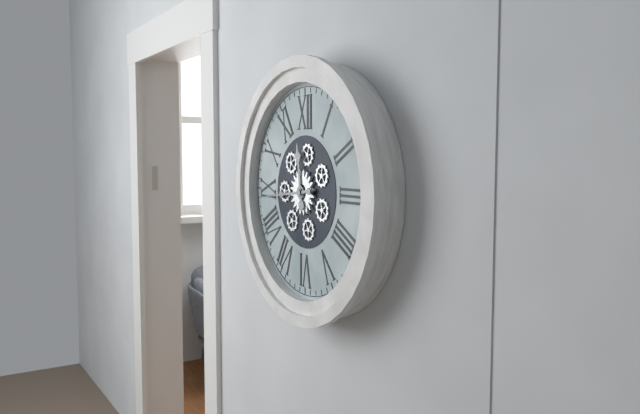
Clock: 11:44
